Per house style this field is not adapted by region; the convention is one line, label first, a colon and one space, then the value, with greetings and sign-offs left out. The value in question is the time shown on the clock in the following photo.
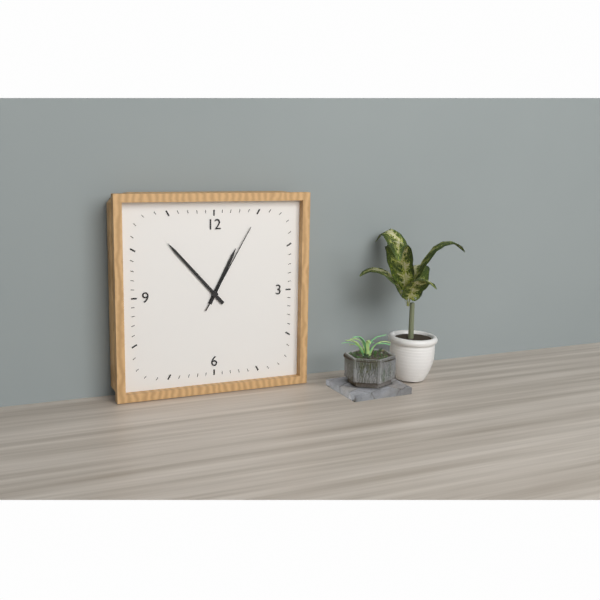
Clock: 12:53:05
